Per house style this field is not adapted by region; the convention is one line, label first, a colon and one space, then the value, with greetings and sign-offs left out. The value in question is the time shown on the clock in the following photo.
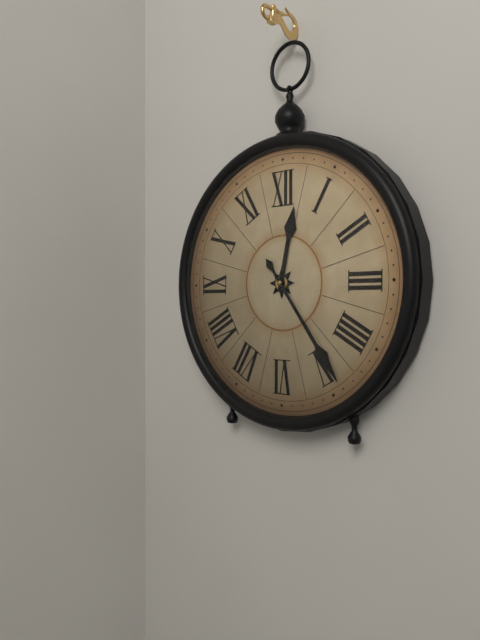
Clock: 12:24
